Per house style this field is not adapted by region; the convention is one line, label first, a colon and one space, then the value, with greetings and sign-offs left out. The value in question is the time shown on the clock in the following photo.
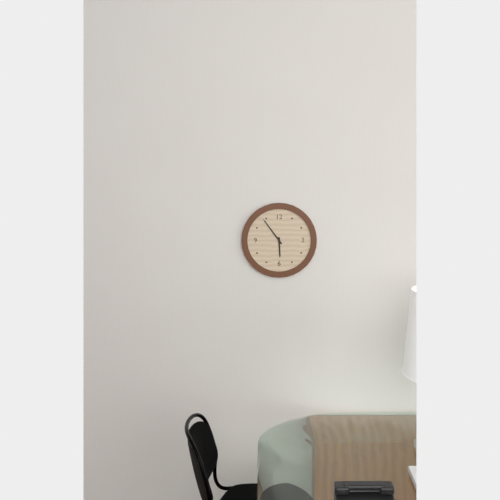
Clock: 5:54
